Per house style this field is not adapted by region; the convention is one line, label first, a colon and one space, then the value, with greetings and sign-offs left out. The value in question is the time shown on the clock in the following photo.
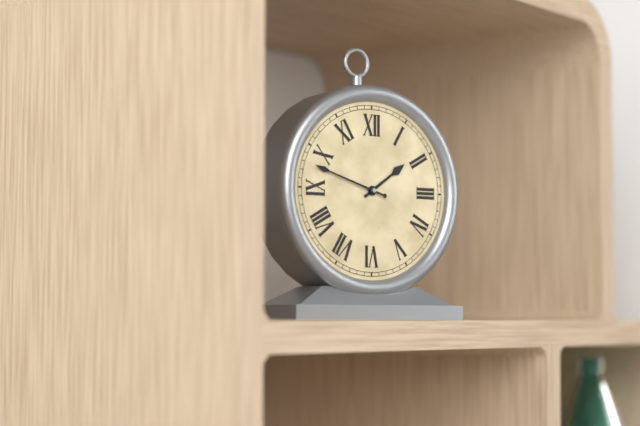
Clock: 1:48
